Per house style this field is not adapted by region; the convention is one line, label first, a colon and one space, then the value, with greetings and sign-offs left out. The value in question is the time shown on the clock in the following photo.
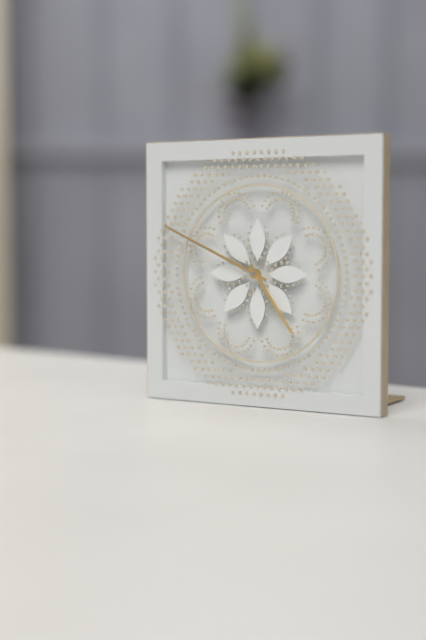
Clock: 4:49
